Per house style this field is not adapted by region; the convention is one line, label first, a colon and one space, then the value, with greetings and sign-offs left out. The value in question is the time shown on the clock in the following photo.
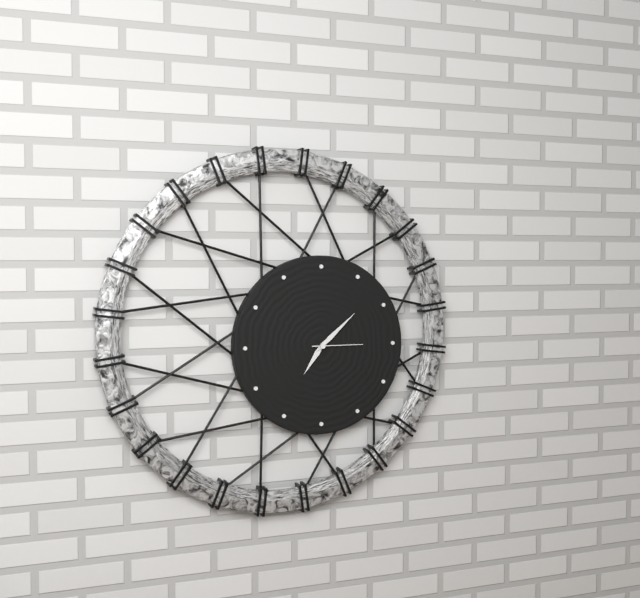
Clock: 7:08:15
